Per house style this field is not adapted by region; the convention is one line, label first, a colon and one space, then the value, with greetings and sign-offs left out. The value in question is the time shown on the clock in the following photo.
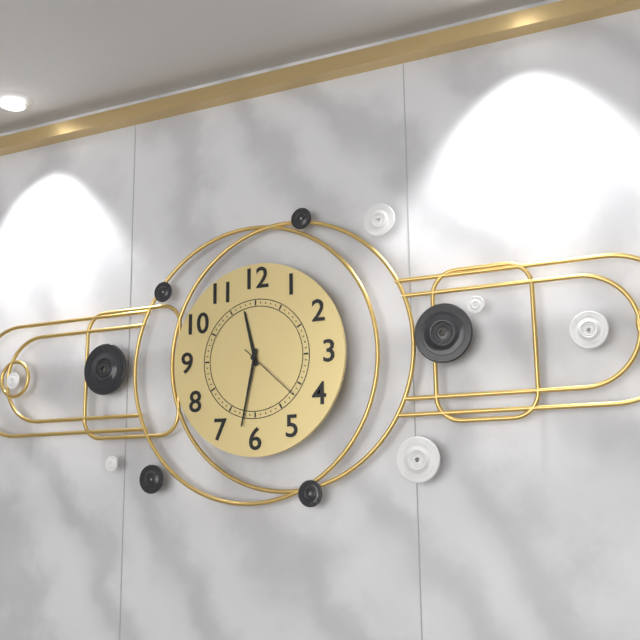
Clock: 11:32:22
